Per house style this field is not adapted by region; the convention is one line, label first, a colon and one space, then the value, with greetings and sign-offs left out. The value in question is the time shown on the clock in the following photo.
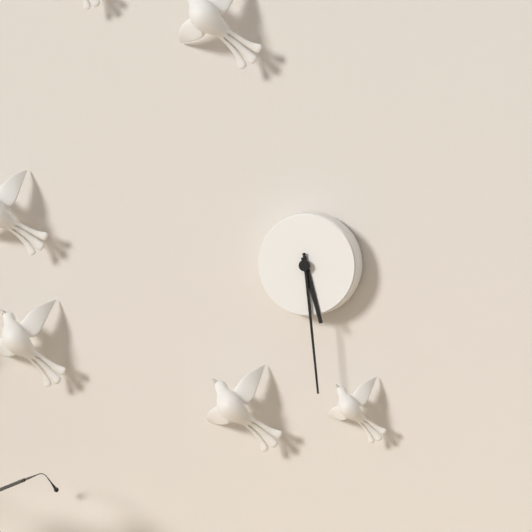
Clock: 5:29
